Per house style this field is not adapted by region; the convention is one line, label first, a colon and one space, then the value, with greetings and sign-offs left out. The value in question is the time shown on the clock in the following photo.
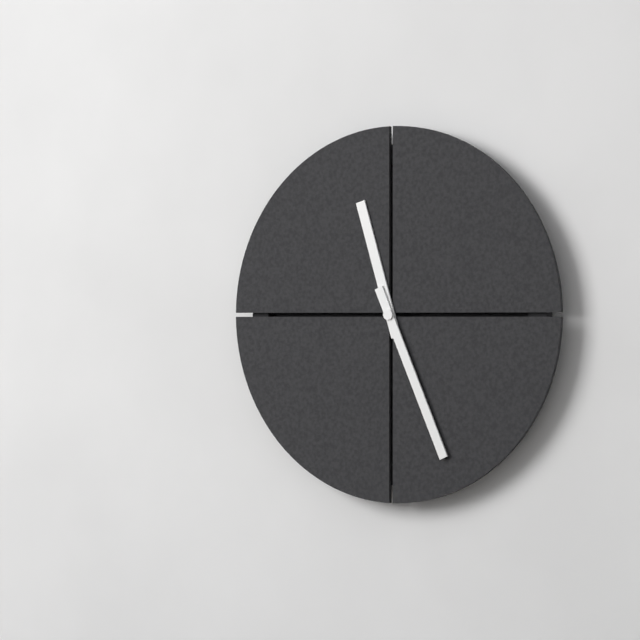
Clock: 11:26
